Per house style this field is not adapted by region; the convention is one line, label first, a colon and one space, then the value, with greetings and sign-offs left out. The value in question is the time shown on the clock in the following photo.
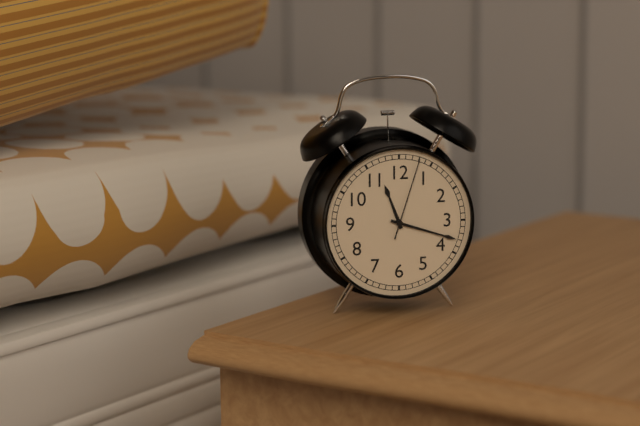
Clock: 11:18:03
